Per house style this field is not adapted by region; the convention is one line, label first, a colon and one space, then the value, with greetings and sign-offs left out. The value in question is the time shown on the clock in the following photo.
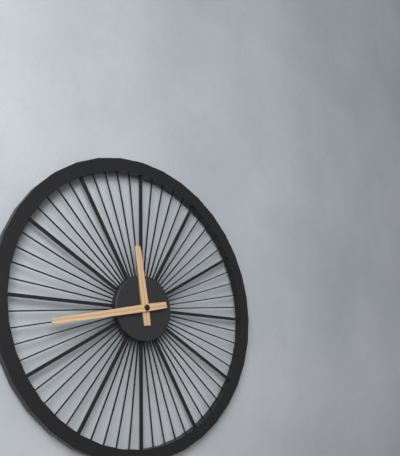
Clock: 11:43
